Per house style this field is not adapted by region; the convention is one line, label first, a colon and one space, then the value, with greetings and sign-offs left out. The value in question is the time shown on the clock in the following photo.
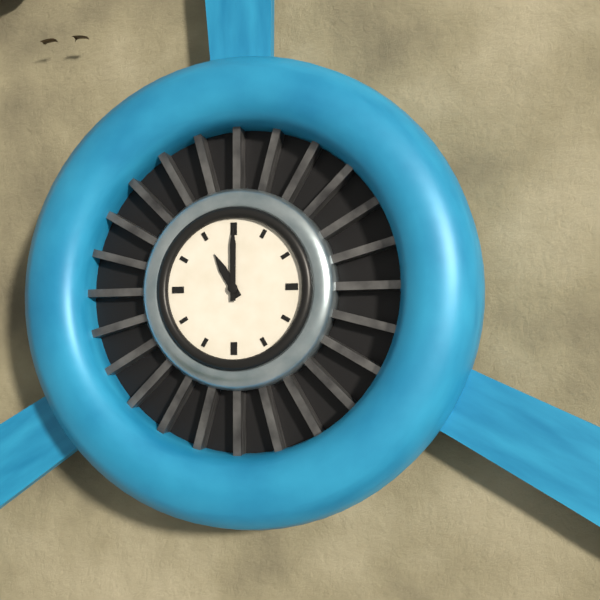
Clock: 11:00
